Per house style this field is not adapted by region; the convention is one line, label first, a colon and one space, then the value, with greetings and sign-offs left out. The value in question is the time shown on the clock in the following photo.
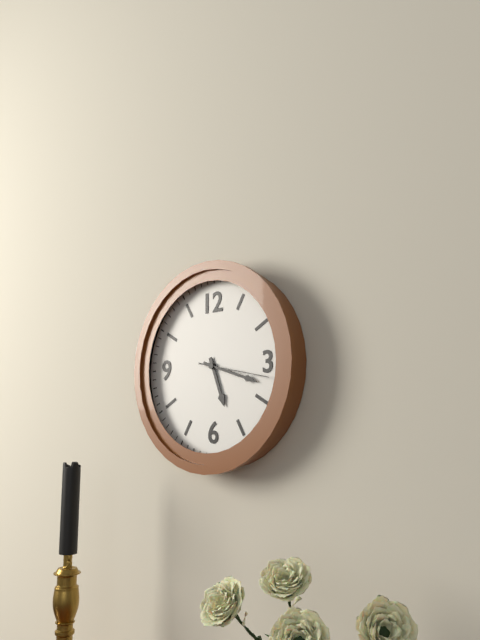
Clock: 5:18:17
